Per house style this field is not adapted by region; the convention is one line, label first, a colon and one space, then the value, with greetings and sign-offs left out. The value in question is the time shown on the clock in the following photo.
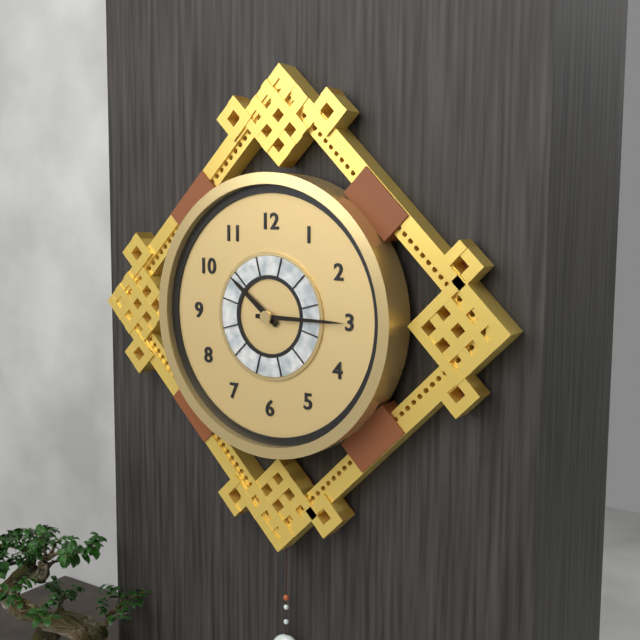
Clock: 10:15
